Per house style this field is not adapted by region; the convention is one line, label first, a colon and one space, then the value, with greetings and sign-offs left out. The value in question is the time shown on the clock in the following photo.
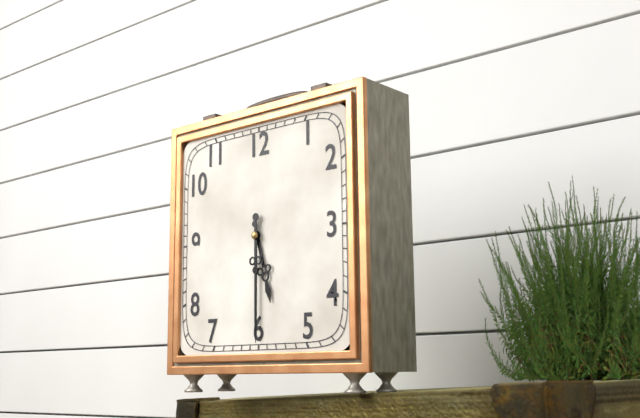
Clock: 5:30
